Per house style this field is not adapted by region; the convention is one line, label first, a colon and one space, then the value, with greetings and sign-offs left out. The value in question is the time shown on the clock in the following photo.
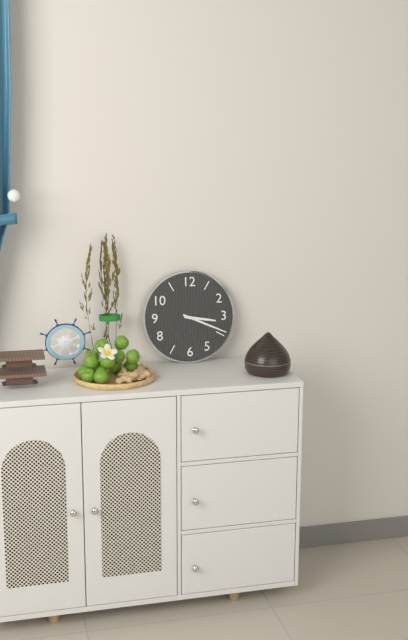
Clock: 3:19
